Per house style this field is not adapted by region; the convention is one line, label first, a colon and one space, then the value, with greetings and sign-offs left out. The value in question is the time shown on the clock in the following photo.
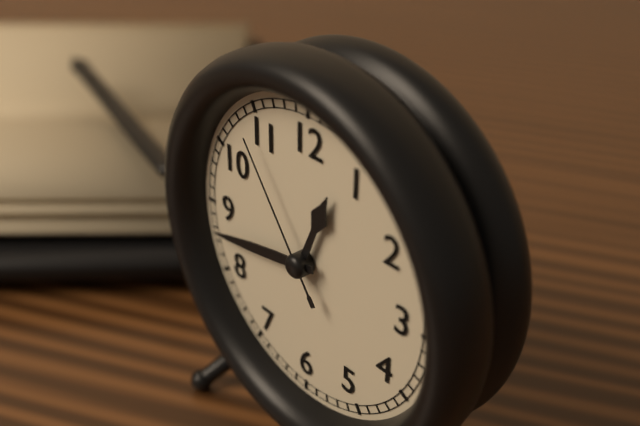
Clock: 12:43:54
